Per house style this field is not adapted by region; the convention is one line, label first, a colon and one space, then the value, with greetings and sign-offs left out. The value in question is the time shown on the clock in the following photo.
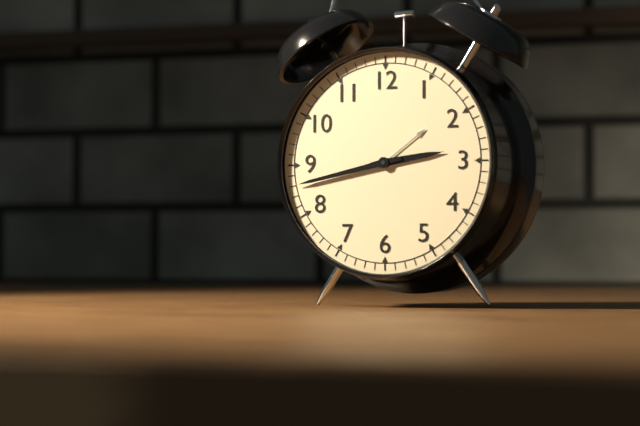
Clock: 2:43
